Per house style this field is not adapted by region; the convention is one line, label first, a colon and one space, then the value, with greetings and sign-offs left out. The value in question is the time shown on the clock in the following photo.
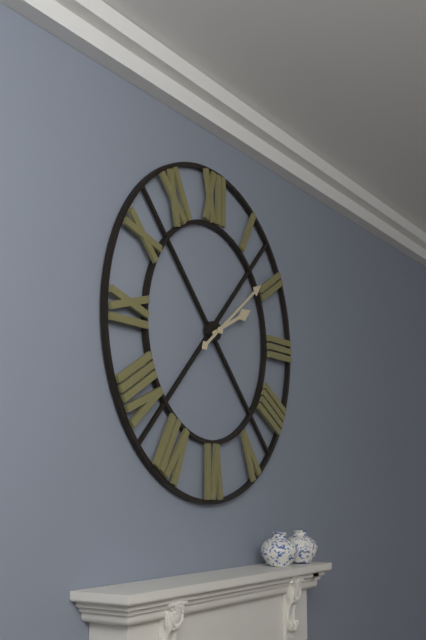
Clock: 2:09
